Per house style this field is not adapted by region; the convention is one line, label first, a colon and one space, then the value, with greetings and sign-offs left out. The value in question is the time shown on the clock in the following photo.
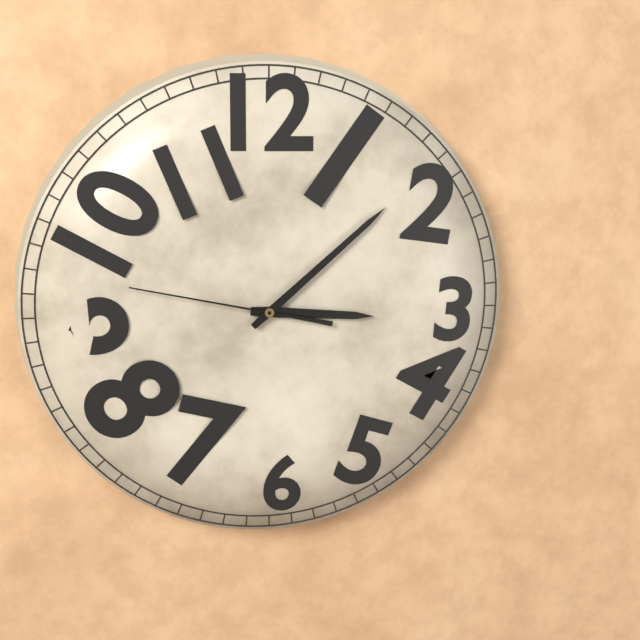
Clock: 3:08:47
